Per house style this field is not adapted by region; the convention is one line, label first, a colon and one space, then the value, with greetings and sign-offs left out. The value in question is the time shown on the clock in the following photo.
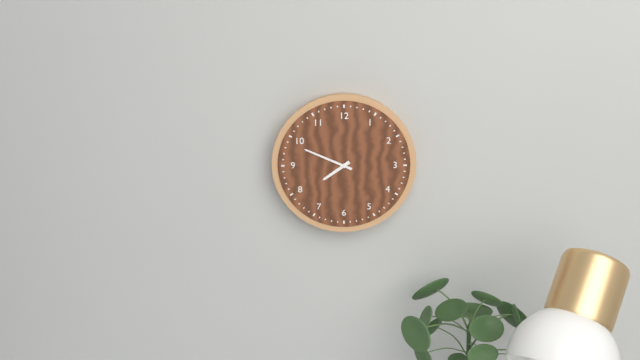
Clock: 7:49
